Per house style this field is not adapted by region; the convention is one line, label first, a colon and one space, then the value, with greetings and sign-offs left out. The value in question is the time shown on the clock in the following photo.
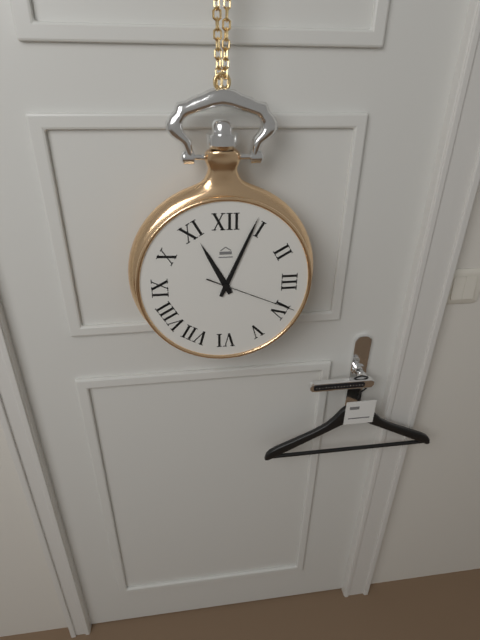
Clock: 11:04:19
